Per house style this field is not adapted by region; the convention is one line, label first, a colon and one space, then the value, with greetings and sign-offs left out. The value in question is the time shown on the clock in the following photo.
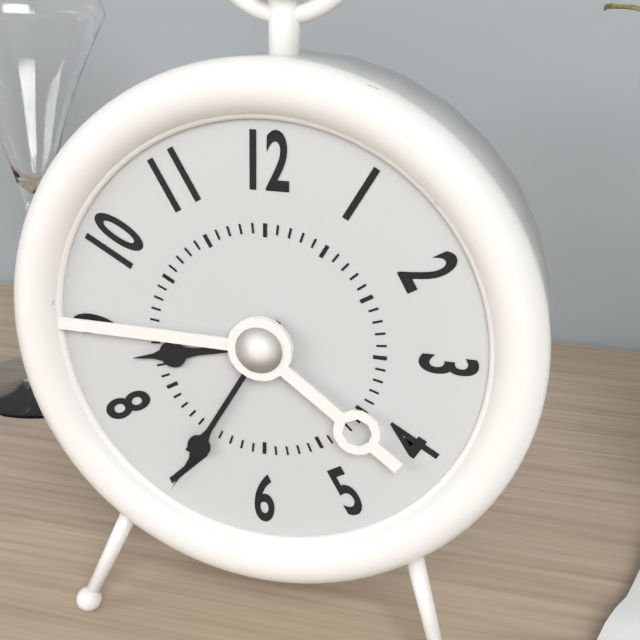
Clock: 8:35
